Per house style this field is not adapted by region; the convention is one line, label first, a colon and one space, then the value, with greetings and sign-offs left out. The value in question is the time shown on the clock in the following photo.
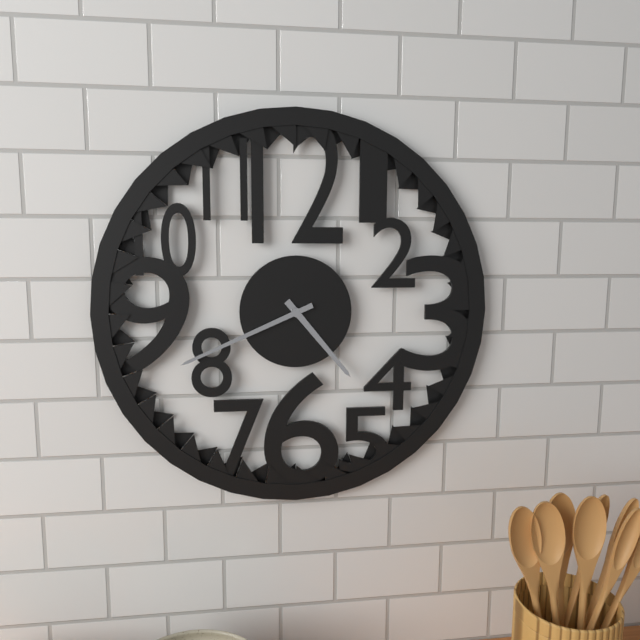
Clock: 4:41
